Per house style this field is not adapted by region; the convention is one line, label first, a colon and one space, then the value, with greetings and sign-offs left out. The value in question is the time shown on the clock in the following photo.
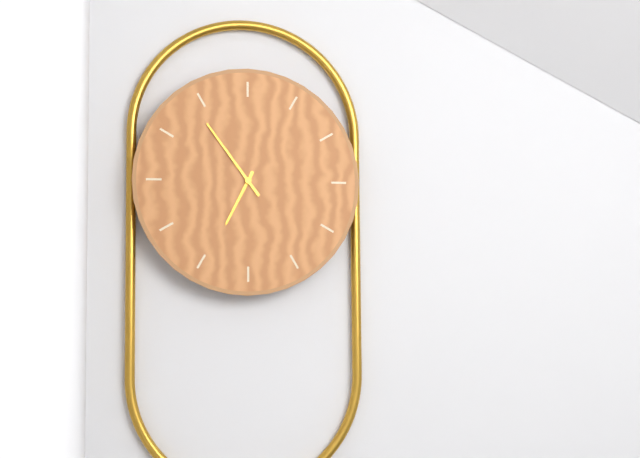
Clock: 6:54
